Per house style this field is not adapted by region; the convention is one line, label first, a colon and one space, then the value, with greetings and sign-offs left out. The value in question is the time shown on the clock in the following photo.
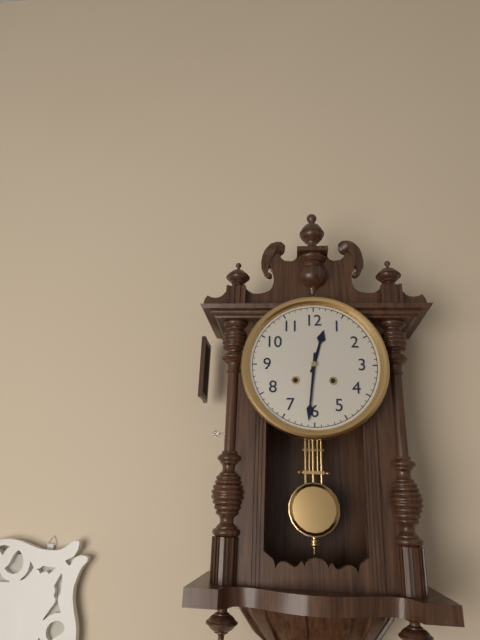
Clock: 12:31
